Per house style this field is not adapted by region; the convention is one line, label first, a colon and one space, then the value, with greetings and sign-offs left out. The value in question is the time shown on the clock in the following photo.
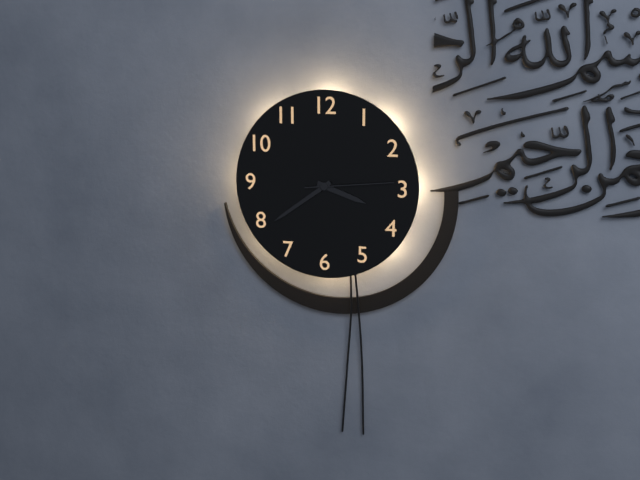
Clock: 3:39:14
